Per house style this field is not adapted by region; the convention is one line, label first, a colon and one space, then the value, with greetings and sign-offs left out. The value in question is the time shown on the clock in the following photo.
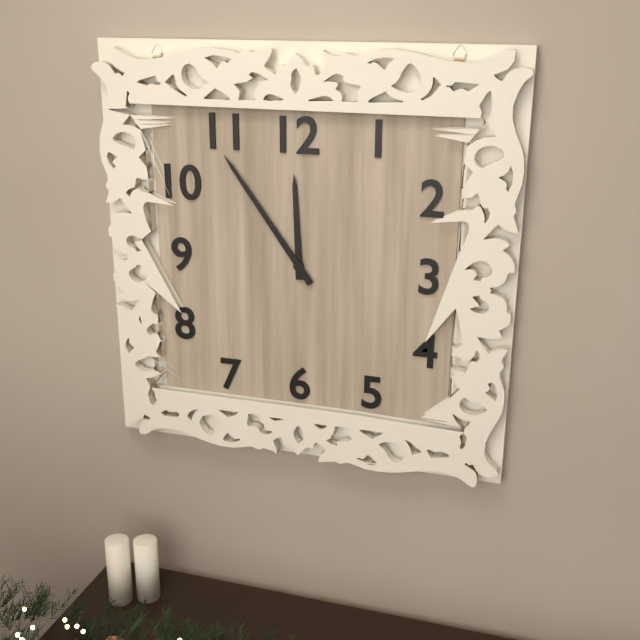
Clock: 11:54
